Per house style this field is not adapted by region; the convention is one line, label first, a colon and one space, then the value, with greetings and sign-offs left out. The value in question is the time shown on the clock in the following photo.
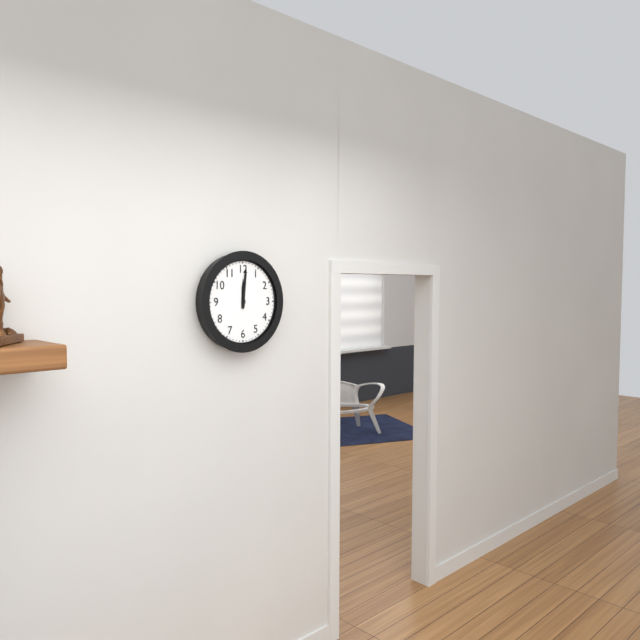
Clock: 12:01
